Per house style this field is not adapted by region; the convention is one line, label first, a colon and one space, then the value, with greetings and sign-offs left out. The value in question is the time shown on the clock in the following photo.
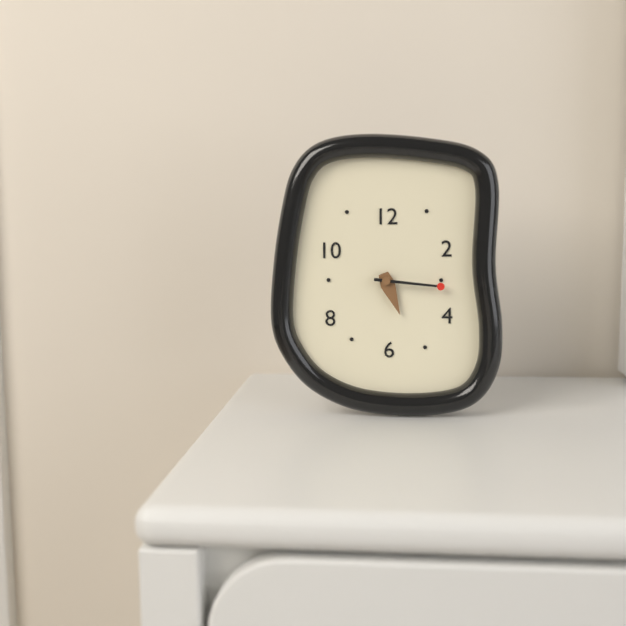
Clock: 5:16
